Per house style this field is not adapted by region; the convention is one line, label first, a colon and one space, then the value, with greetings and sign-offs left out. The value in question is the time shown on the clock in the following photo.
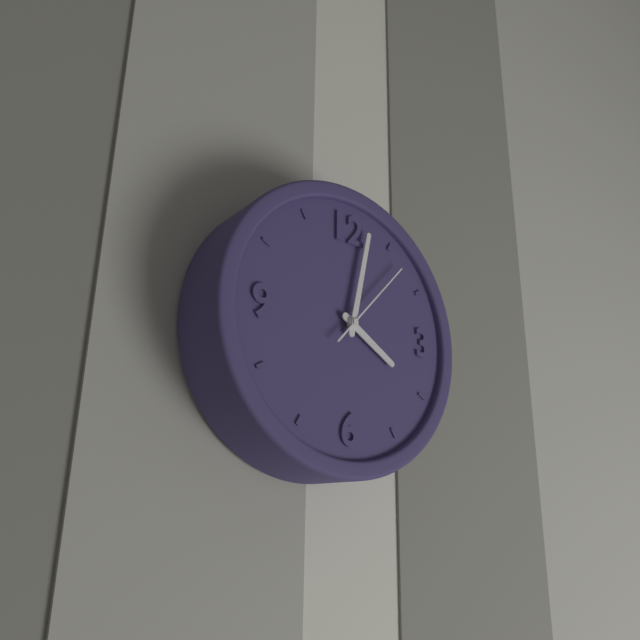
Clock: 4:02:07
